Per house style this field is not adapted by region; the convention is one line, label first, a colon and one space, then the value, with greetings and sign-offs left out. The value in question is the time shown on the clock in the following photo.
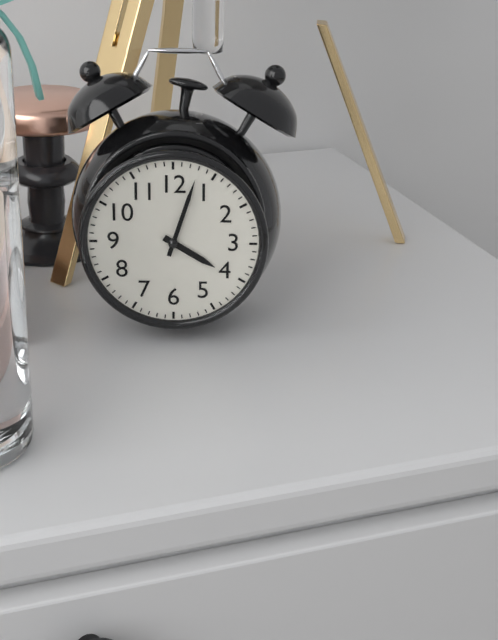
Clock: 4:03
